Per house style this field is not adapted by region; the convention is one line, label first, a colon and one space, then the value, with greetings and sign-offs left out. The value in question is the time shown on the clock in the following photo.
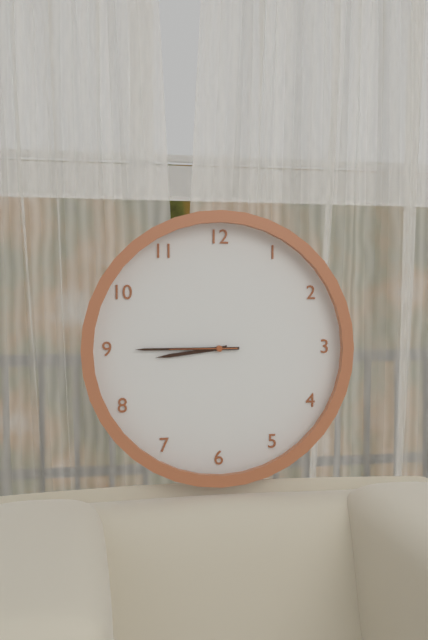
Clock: 8:45:45
